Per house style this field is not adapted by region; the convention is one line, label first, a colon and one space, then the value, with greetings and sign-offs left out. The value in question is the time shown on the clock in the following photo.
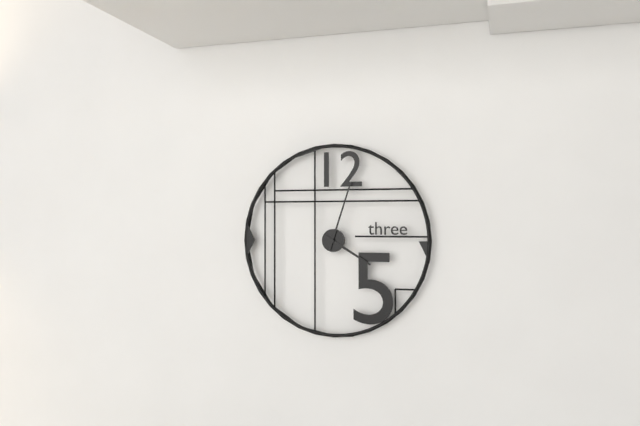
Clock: 4:03
